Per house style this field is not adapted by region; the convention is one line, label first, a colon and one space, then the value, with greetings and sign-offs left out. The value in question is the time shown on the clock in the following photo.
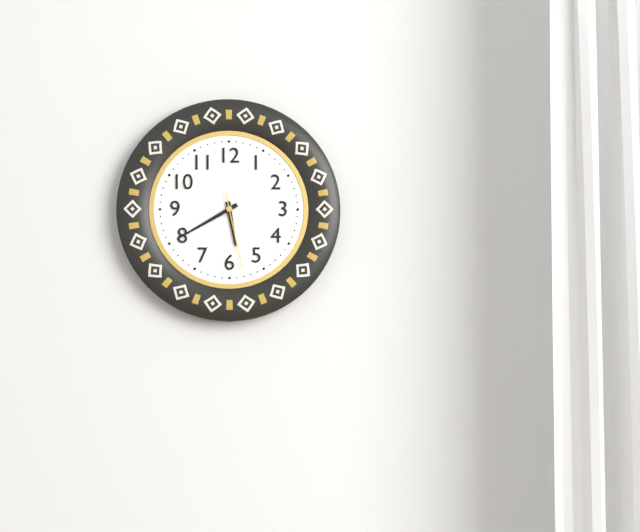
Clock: 5:40:28
